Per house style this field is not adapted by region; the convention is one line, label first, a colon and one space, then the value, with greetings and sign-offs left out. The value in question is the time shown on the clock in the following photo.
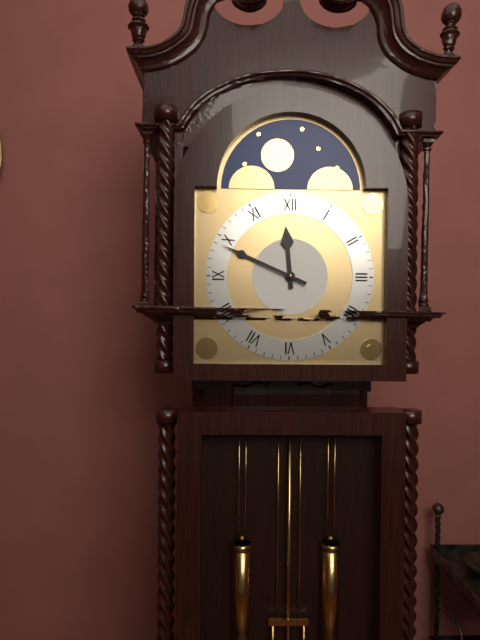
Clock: 11:49
